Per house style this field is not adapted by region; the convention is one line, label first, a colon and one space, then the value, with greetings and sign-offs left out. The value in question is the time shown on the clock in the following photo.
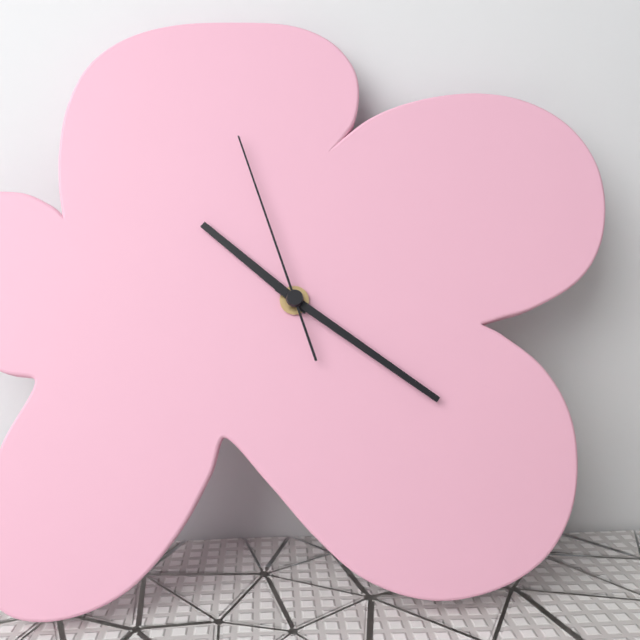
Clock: 10:21:57
